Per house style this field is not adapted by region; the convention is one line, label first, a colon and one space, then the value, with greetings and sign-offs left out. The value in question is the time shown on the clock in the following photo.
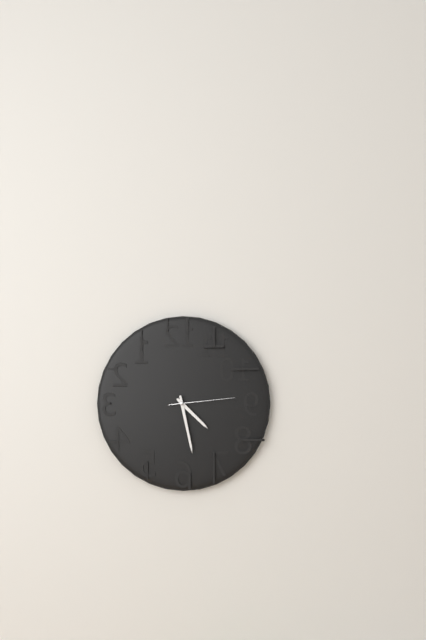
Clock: 4:28:14
